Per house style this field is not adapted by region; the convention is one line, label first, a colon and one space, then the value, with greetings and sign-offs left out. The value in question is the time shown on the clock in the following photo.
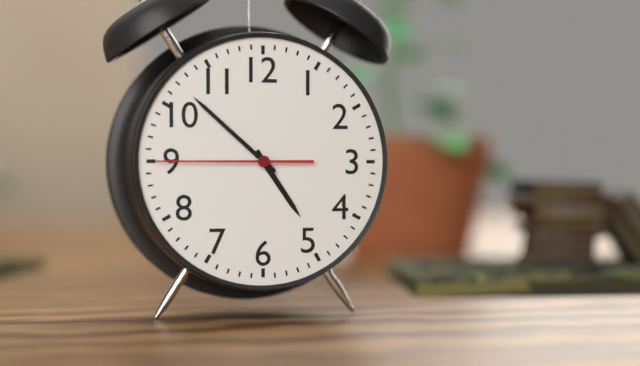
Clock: 4:52:45
